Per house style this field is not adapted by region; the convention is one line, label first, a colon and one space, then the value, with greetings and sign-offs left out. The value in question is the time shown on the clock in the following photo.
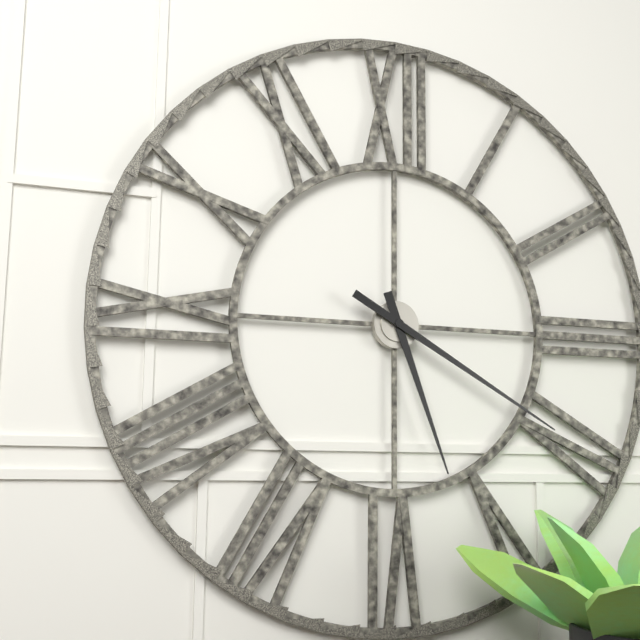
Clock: 5:20
